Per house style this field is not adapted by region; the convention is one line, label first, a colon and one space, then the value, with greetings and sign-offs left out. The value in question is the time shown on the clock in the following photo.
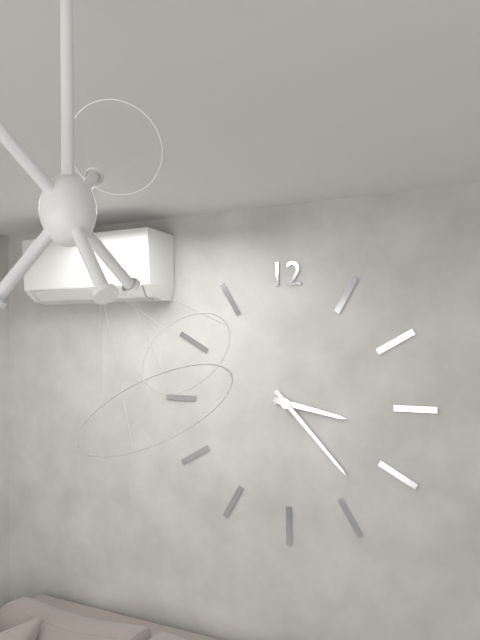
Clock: 3:23
